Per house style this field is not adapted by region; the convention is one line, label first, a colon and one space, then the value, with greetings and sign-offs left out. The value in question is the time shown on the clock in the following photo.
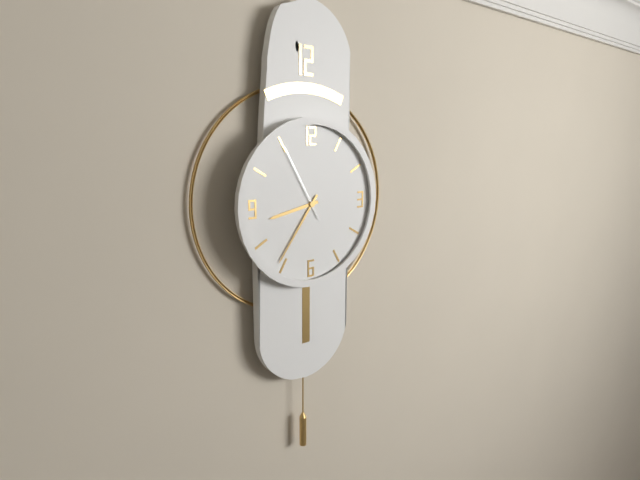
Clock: 8:36:55
